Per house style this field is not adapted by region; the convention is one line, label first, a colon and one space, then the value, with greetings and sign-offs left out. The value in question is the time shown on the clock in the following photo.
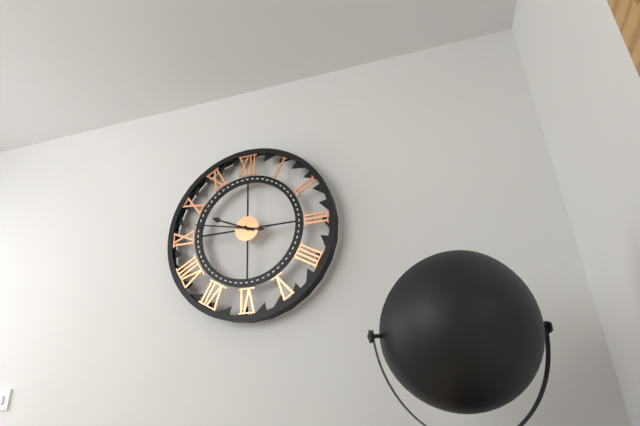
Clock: 9:47
